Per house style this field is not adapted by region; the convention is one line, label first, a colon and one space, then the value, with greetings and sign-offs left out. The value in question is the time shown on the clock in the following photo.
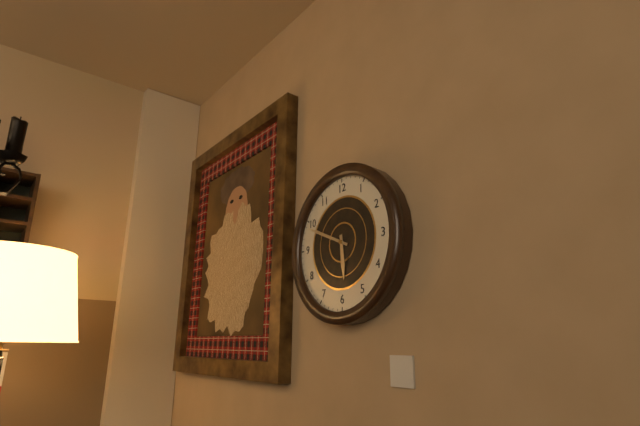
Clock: 5:49
